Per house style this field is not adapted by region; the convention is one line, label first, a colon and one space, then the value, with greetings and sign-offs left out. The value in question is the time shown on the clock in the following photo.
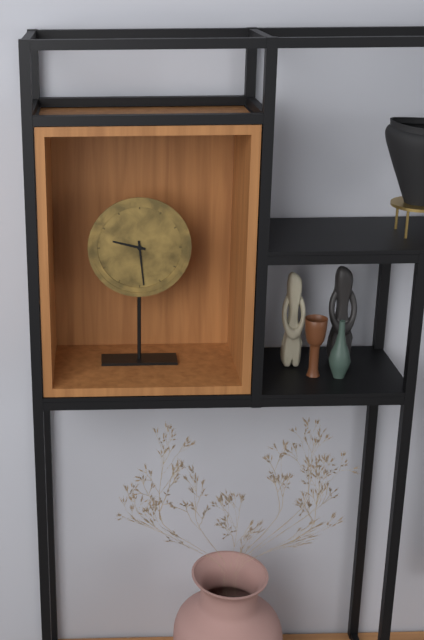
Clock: 9:29
